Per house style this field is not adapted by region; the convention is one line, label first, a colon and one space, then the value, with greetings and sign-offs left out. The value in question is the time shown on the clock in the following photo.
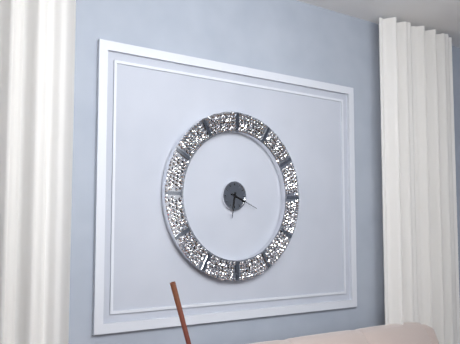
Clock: 6:19
